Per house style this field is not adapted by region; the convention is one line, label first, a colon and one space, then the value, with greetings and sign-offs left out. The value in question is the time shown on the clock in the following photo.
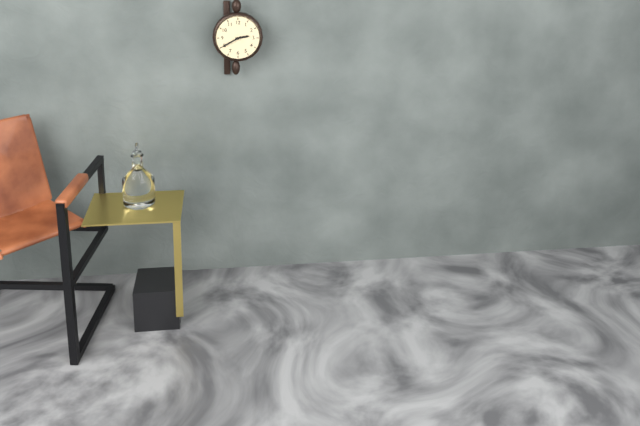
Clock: 2:40
